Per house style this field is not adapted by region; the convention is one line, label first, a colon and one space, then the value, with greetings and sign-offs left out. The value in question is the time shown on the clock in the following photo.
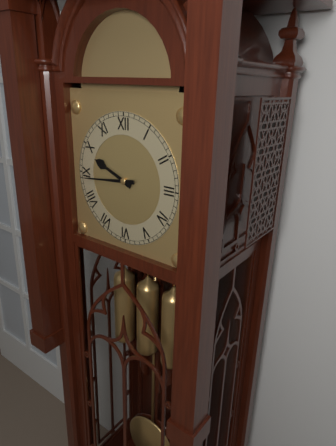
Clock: 9:44
